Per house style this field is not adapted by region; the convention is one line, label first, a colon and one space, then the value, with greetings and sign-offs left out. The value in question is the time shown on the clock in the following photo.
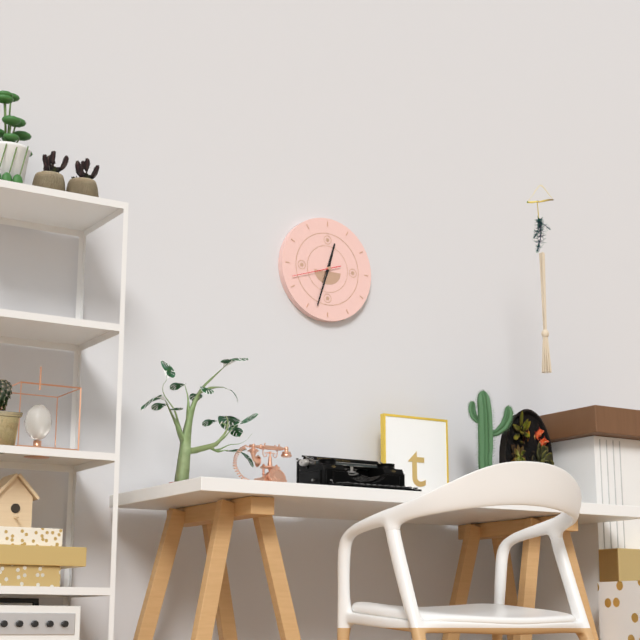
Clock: 12:33
